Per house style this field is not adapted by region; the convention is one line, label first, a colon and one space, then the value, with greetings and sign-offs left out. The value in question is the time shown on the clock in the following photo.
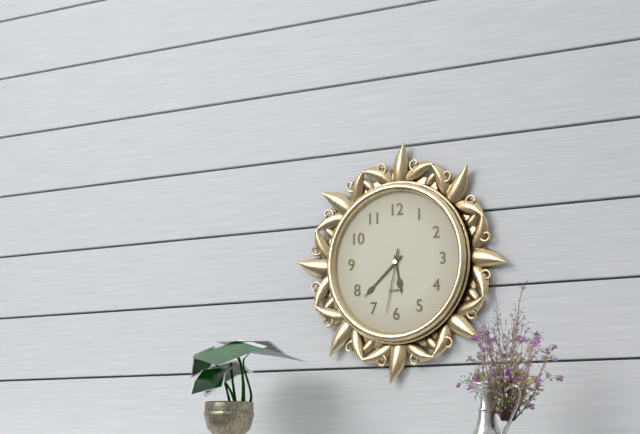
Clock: 5:38:32
